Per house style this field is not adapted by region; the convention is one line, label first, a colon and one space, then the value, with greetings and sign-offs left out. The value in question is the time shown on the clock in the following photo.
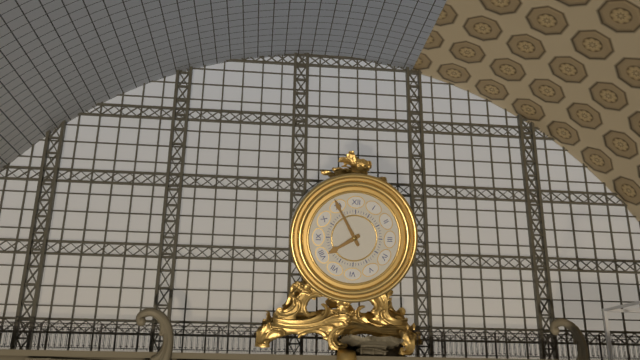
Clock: 7:55
